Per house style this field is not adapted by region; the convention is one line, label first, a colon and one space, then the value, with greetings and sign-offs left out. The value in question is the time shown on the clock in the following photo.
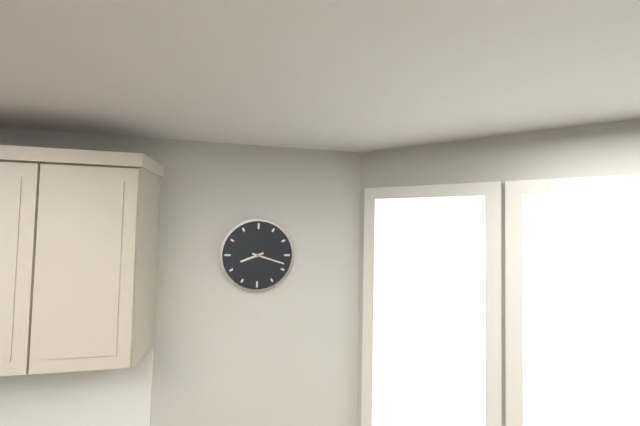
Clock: 8:18
